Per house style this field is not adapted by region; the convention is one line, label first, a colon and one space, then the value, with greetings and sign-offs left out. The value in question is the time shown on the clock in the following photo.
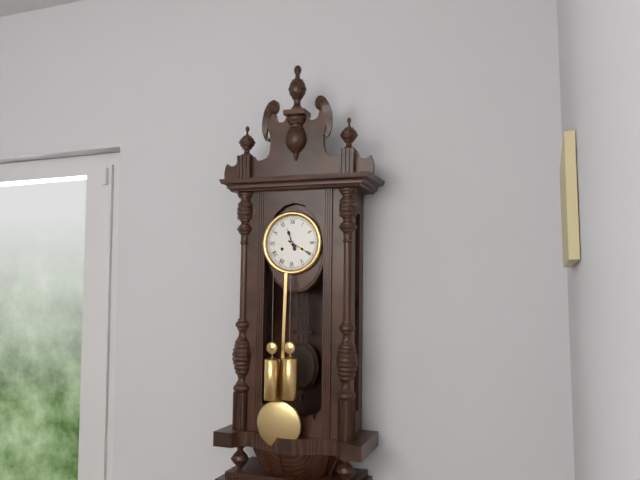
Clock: 11:20
